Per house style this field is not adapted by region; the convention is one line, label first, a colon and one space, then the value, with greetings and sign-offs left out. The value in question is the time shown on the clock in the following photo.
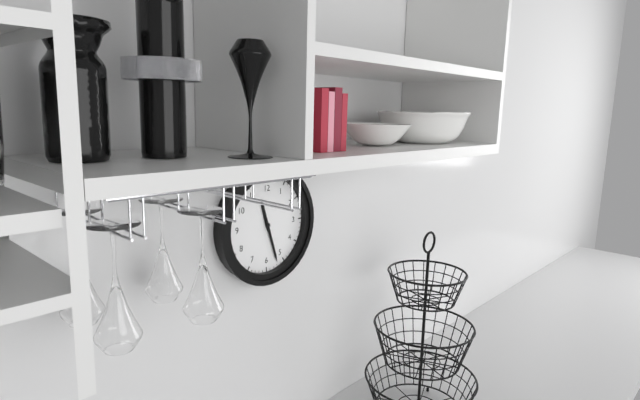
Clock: 11:27
